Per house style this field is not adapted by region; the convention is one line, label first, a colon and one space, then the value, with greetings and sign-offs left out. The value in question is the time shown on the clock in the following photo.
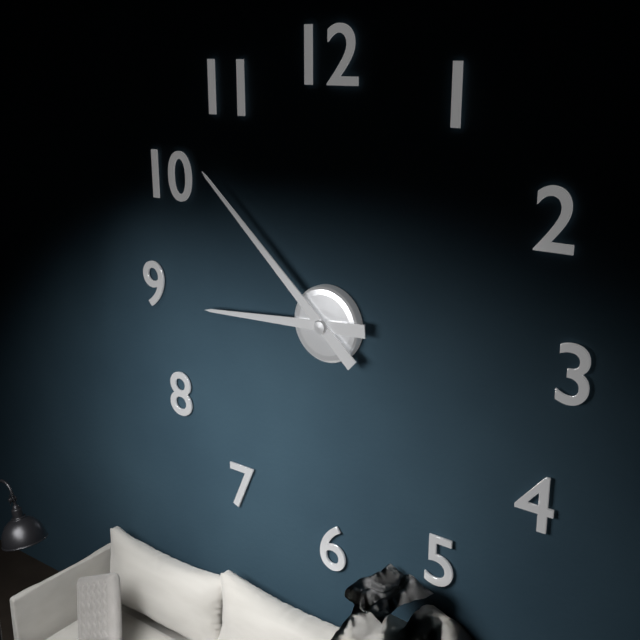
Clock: 8:52
